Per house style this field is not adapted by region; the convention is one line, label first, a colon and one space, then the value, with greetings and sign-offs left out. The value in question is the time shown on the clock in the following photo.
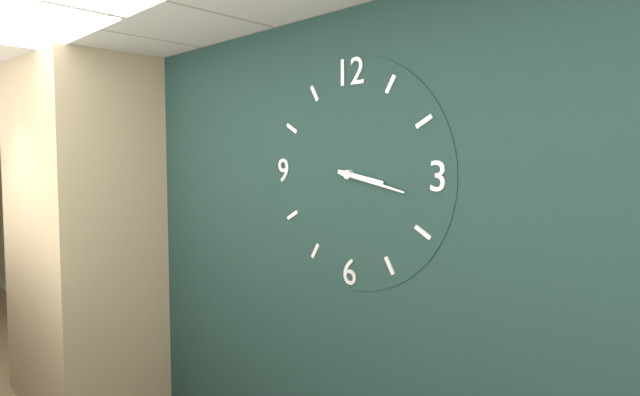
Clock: 3:17
